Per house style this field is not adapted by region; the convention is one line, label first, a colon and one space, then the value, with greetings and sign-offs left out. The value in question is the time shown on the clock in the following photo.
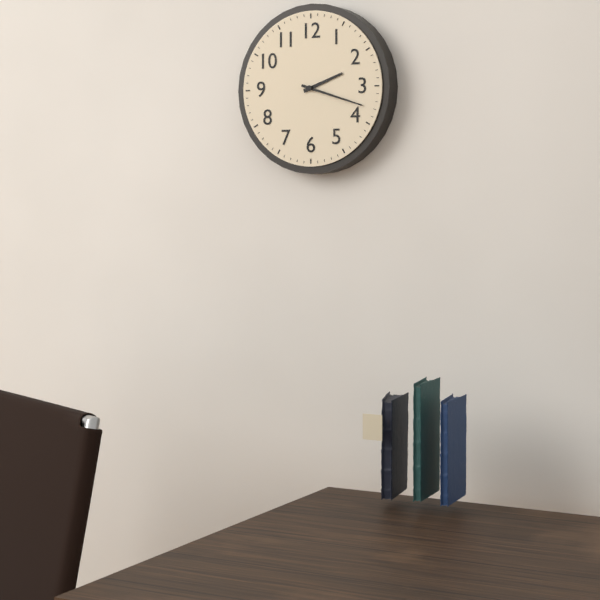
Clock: 2:18
